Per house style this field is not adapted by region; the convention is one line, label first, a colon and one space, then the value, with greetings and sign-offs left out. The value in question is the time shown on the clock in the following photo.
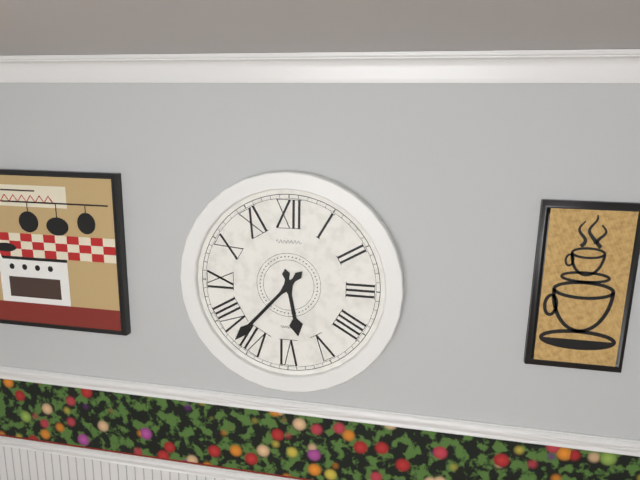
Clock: 5:37
